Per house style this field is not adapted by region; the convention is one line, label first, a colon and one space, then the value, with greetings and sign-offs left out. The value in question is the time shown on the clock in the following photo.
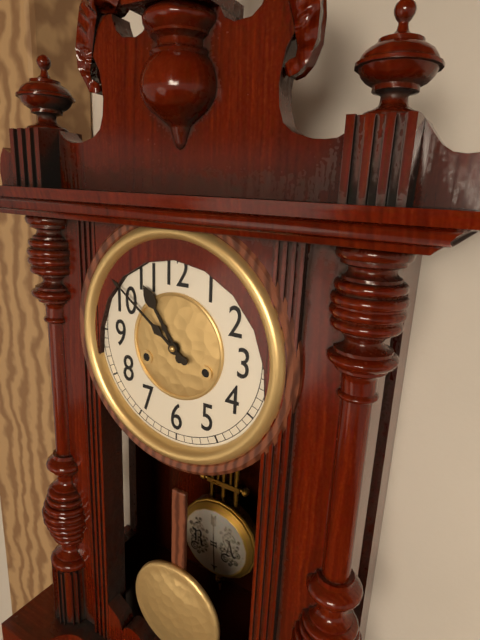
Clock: 10:51
